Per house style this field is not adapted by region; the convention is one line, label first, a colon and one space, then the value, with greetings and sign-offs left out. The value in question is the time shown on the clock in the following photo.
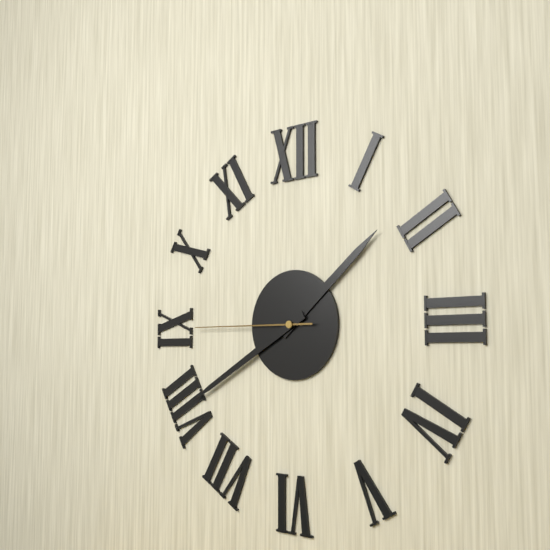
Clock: 1:40:45
